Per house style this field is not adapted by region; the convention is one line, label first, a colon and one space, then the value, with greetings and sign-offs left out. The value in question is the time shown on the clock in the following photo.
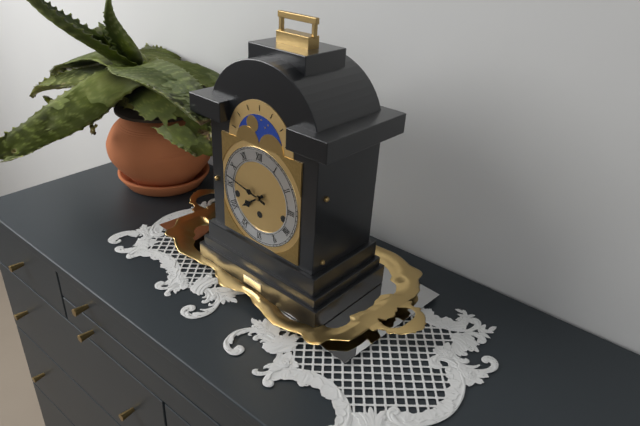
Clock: 7:47
